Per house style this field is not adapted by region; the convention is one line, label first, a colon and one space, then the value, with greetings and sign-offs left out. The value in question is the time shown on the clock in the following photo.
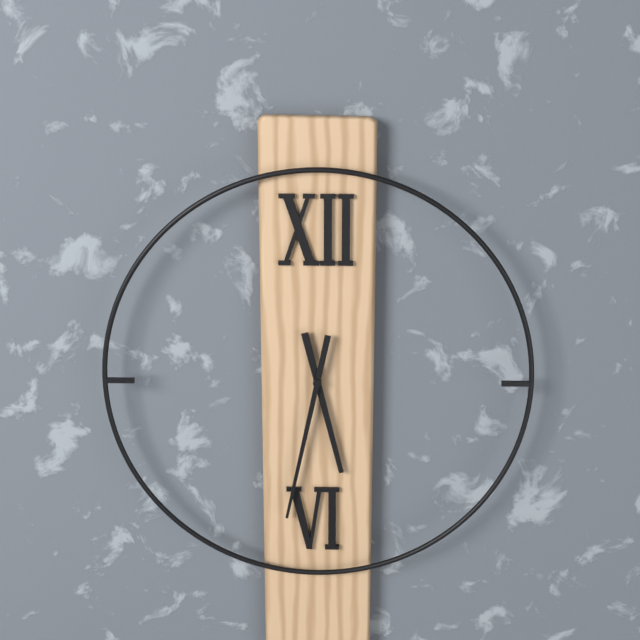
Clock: 5:32
